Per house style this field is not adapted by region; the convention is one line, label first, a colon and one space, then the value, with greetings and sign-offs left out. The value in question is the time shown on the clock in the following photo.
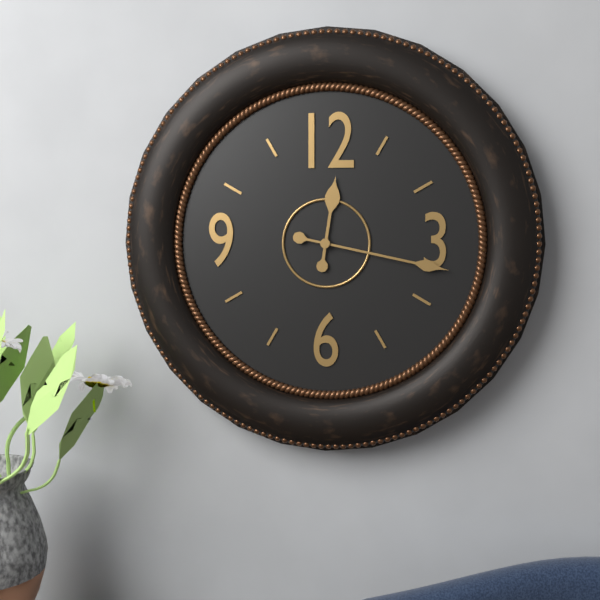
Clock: 12:17
